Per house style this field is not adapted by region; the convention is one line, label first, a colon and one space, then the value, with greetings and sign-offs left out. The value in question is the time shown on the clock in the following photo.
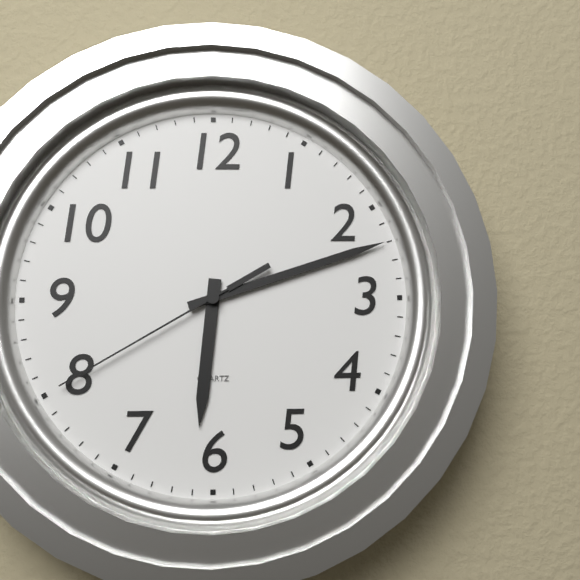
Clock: 6:12:40
